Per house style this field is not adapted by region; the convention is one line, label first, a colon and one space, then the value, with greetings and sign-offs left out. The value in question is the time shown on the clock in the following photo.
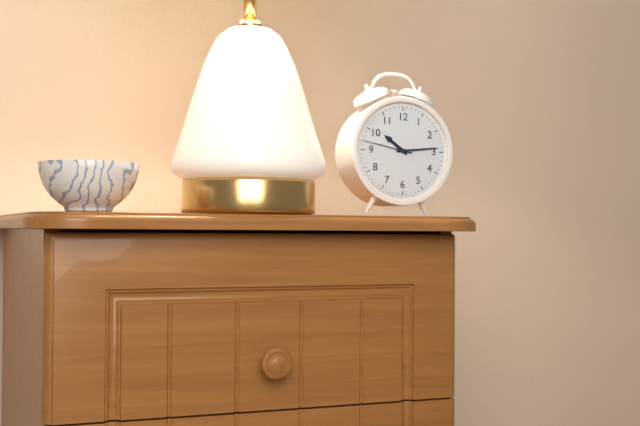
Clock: 10:14
